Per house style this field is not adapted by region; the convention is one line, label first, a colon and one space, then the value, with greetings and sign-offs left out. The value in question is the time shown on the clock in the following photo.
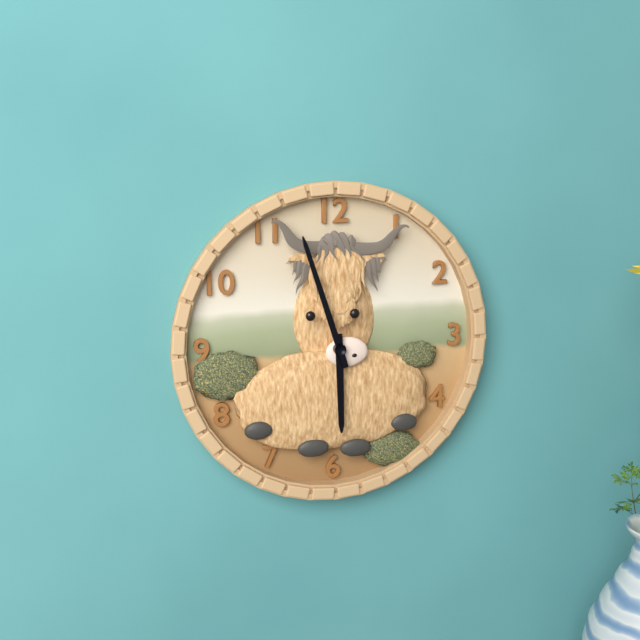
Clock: 5:57
